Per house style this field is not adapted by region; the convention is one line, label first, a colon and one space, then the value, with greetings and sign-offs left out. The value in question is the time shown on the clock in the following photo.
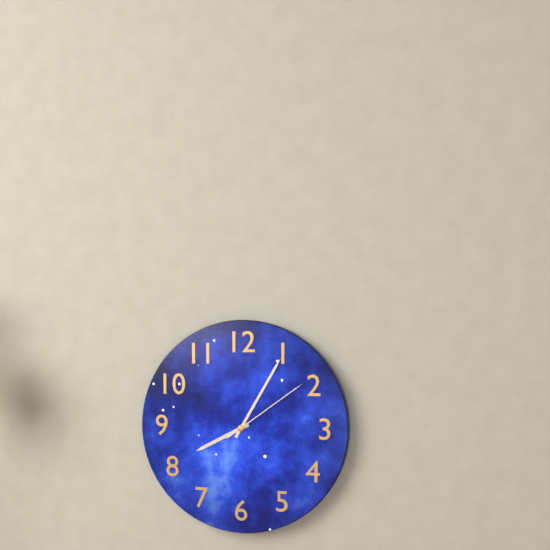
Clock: 8:05:09
